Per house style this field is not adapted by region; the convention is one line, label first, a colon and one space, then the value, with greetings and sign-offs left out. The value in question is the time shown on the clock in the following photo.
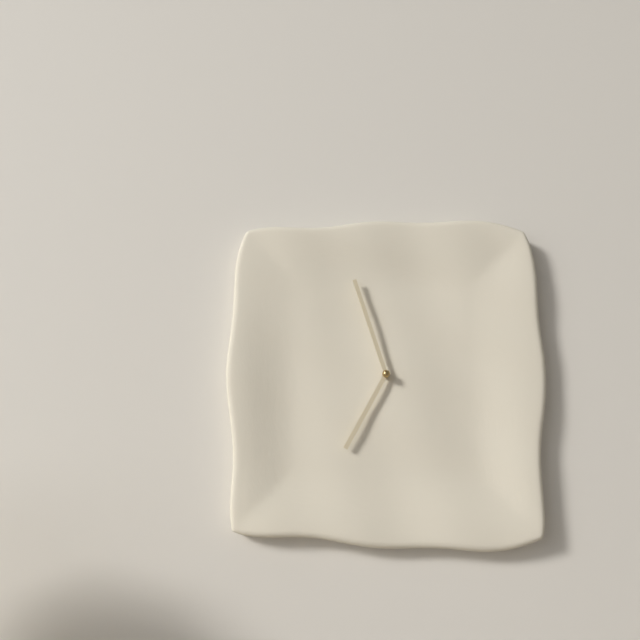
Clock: 6:57
